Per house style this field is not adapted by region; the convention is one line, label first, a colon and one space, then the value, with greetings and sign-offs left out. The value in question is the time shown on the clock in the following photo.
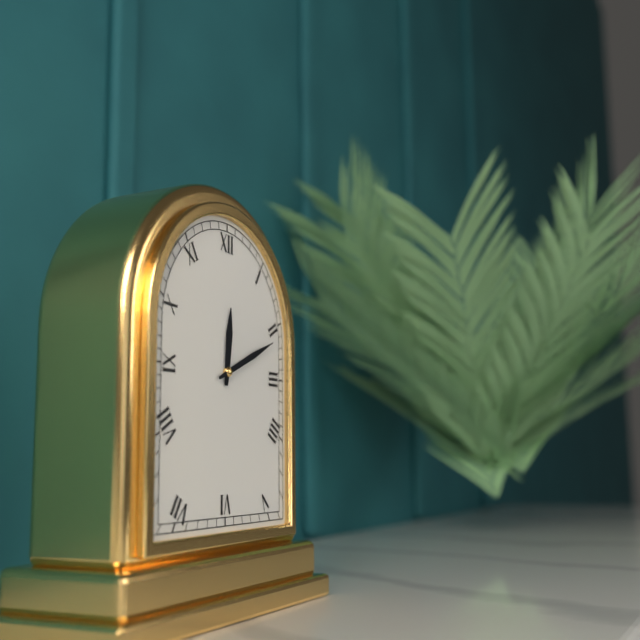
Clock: 12:11
